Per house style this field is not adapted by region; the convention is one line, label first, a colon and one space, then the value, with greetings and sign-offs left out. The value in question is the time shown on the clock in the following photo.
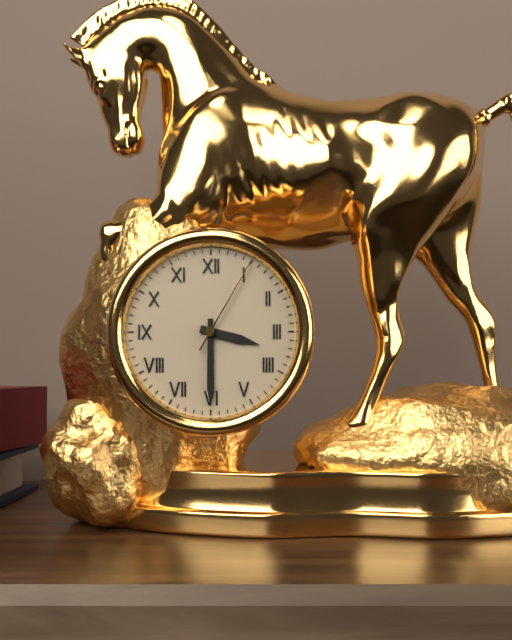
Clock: 3:30:05
